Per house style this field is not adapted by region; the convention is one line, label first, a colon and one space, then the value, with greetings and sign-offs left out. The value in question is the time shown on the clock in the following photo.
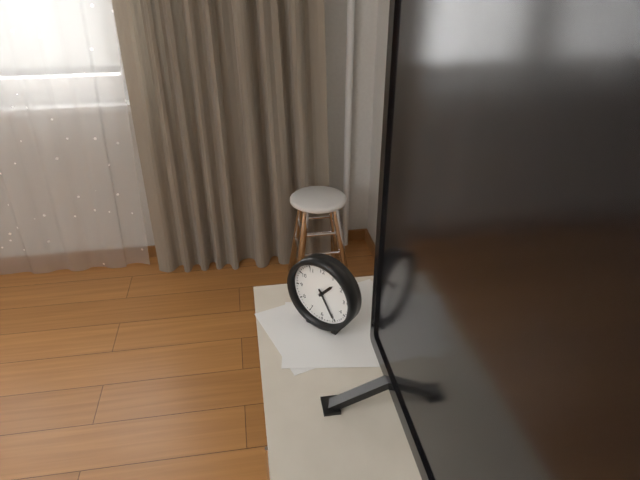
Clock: 1:25
